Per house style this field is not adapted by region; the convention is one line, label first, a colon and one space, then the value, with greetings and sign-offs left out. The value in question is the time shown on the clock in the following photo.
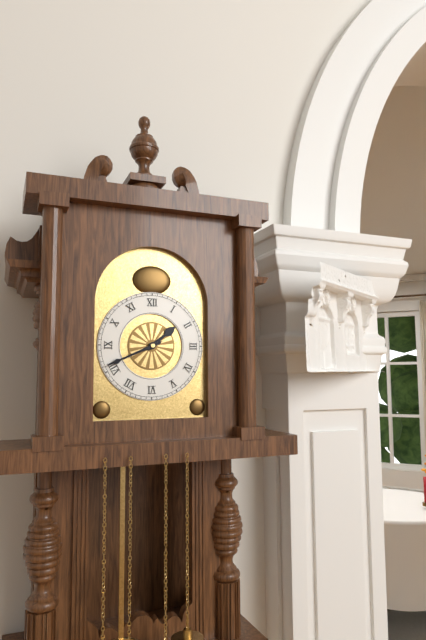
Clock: 1:41
